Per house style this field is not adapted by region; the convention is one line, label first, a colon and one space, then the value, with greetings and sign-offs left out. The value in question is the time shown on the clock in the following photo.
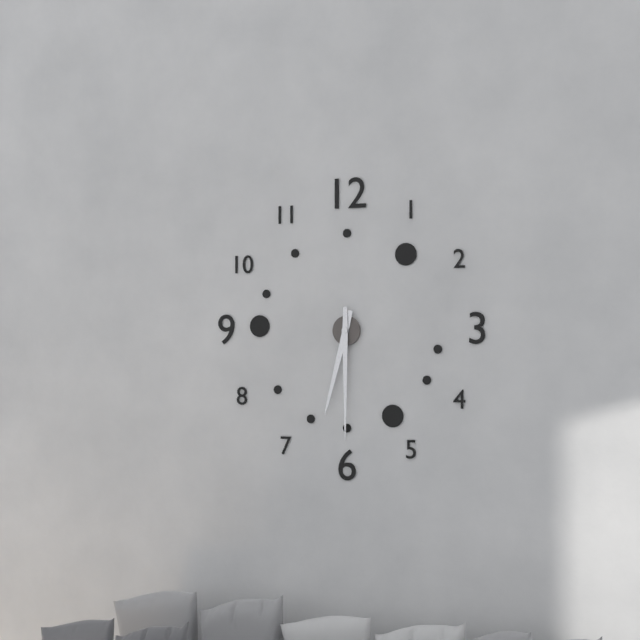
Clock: 6:30
